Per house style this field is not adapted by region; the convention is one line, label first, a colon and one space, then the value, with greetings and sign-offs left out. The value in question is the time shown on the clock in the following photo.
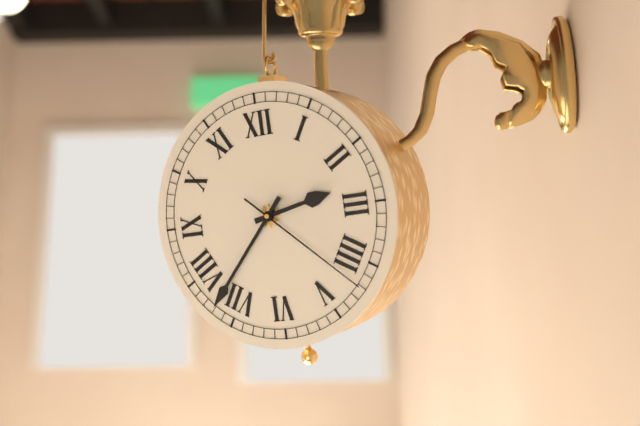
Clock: 2:37:22
